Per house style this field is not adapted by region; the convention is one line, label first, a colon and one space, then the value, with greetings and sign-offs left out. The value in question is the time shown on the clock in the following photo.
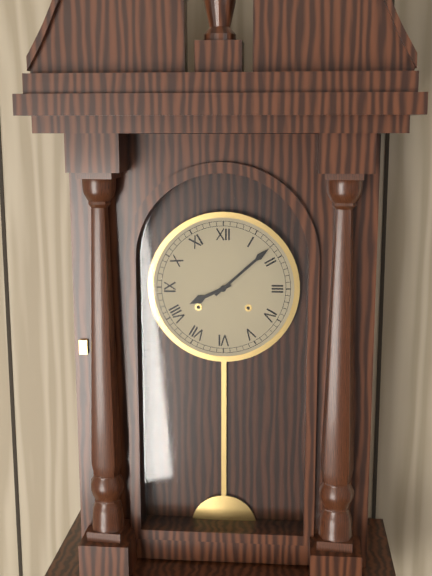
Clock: 8:08
